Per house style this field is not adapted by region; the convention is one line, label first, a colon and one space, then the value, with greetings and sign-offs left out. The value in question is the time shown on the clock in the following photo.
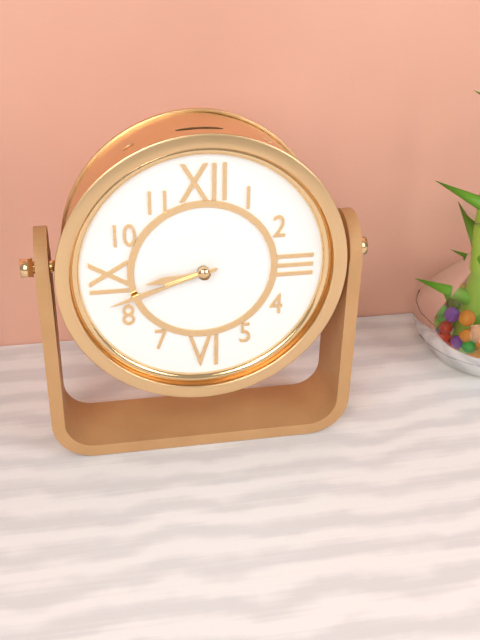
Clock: 8:42
